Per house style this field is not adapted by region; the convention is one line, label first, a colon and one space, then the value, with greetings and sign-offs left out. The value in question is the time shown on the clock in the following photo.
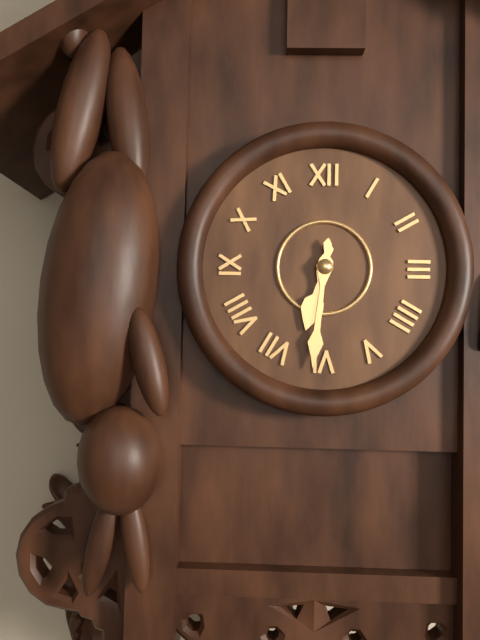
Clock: 6:31
